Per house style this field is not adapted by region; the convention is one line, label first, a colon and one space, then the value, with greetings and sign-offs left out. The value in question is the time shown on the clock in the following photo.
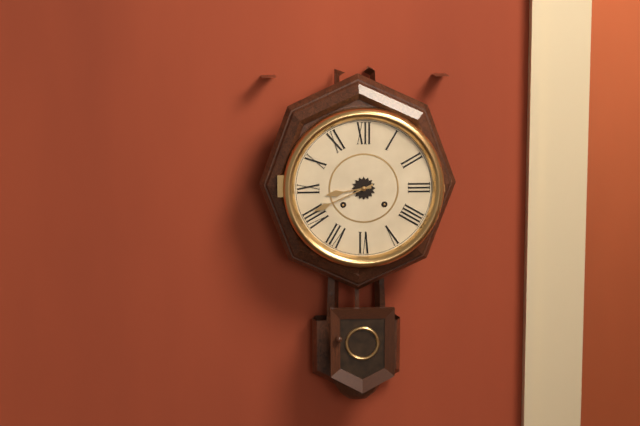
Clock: 8:41
